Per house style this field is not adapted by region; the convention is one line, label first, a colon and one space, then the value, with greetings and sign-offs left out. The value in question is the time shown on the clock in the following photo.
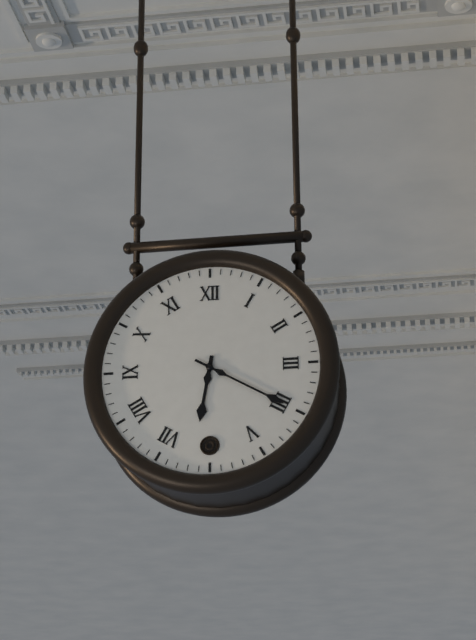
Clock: 6:20
